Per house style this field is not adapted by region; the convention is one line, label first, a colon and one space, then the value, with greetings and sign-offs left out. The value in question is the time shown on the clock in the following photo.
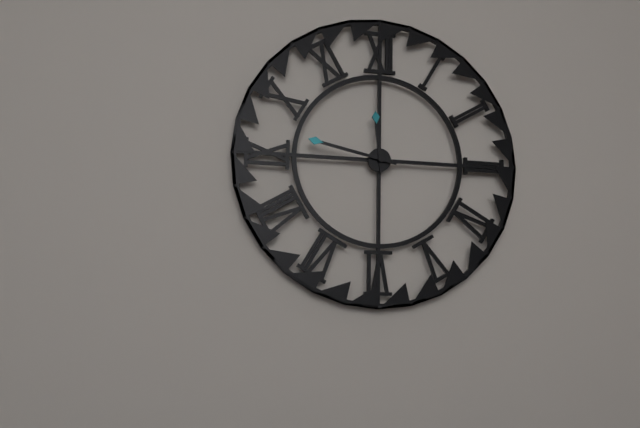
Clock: 11:47
